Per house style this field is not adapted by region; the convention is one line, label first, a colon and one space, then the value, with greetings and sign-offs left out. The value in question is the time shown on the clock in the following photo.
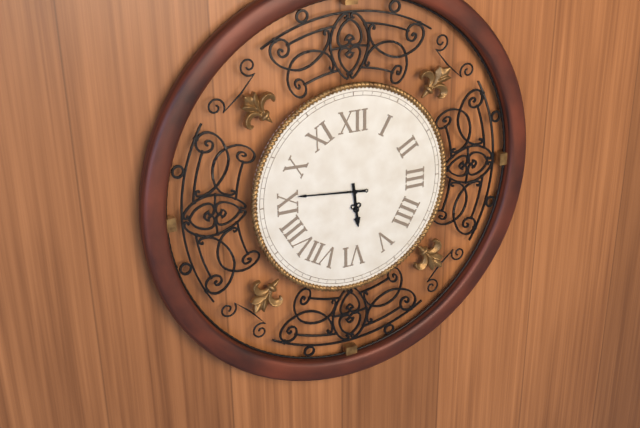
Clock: 5:46
